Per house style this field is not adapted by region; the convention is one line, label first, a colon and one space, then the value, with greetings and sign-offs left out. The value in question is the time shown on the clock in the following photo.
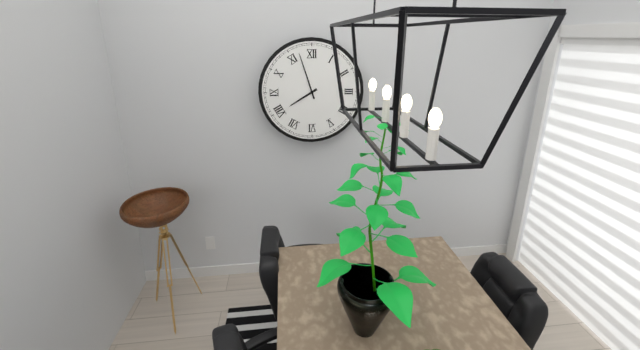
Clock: 7:57
